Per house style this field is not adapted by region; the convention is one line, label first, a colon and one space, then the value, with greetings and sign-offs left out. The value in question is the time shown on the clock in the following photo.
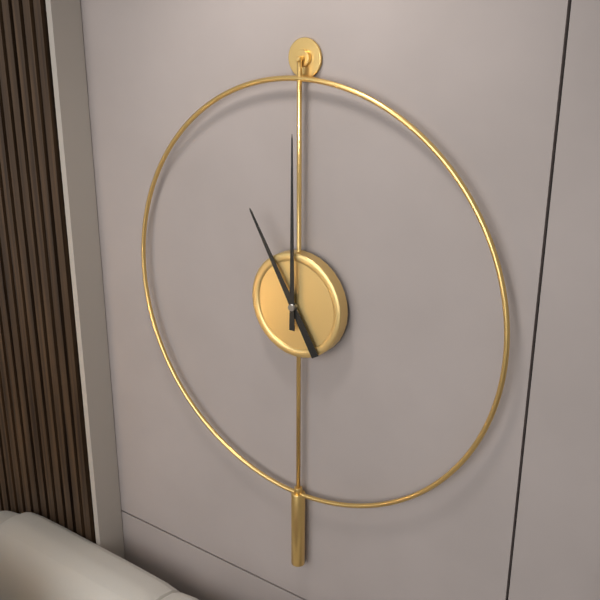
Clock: 11:00
